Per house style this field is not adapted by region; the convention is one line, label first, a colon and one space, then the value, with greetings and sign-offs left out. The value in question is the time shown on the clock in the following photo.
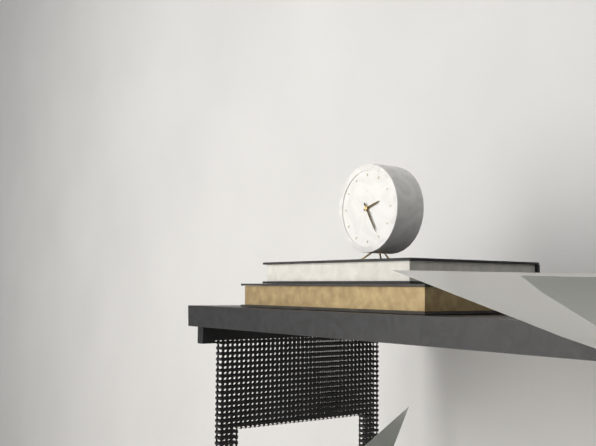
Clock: 2:25
